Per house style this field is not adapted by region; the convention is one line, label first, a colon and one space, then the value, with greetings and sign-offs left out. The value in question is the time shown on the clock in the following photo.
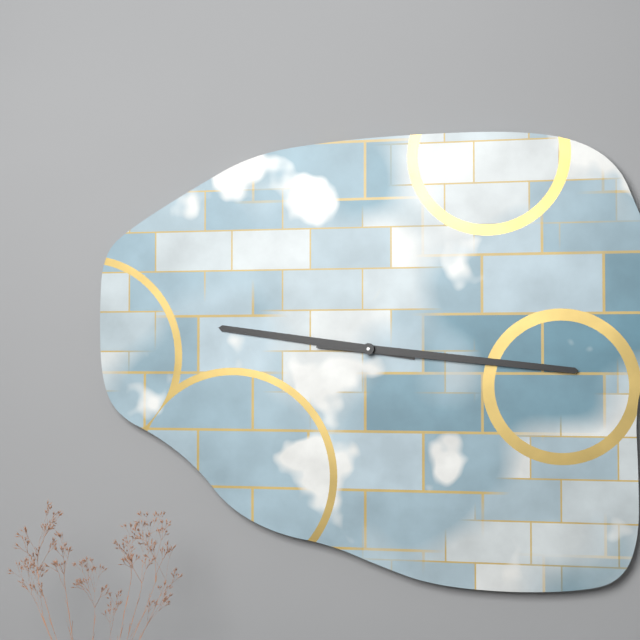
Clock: 9:16
